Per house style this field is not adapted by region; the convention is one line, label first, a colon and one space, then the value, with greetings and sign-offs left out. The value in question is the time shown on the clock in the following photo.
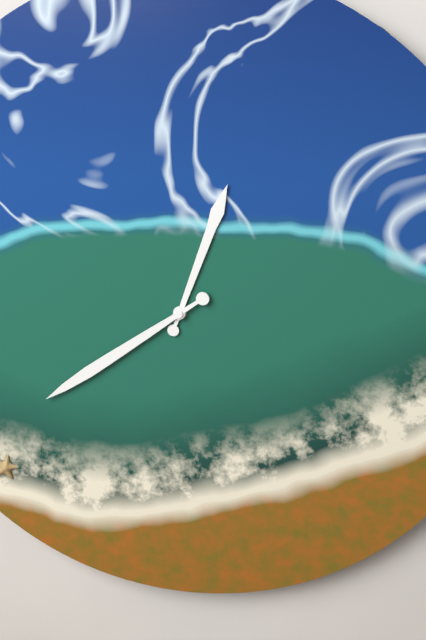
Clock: 12:39
